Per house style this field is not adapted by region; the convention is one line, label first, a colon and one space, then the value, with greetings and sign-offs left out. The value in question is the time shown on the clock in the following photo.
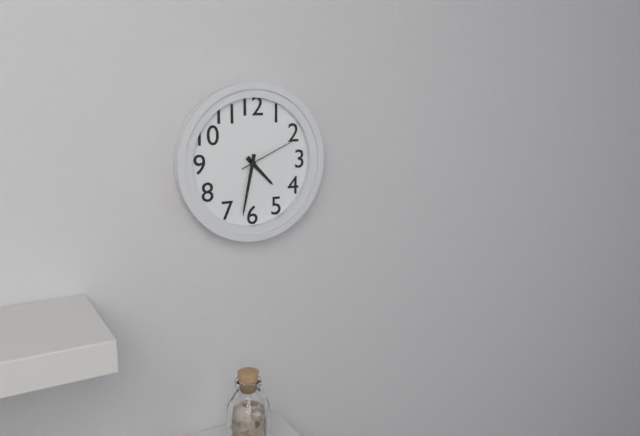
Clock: 4:32:11
